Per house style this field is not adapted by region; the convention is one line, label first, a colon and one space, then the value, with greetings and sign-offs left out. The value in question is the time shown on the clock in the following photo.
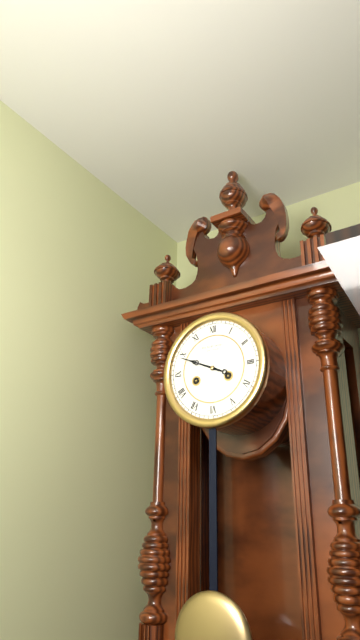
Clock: 9:49
